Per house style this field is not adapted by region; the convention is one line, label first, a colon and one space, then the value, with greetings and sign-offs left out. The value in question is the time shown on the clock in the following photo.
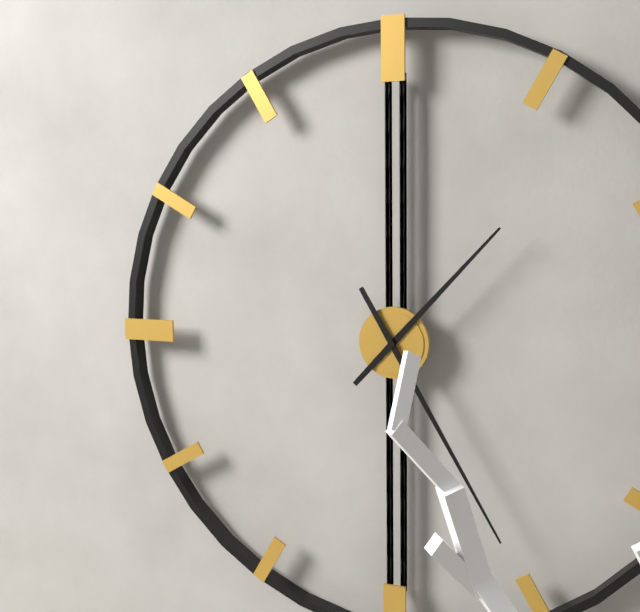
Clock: 1:25
